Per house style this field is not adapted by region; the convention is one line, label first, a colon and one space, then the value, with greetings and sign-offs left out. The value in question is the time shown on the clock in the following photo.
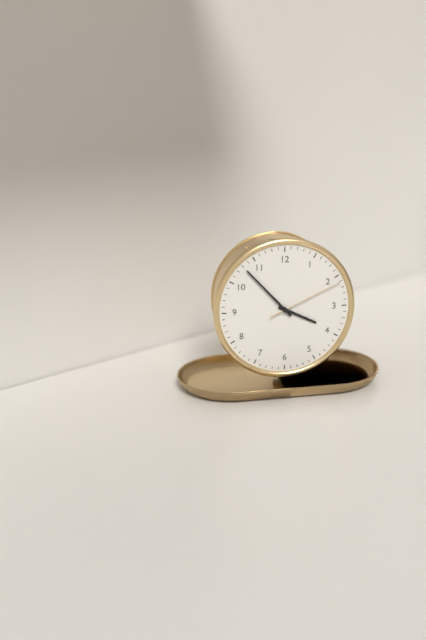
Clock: 3:53:11
